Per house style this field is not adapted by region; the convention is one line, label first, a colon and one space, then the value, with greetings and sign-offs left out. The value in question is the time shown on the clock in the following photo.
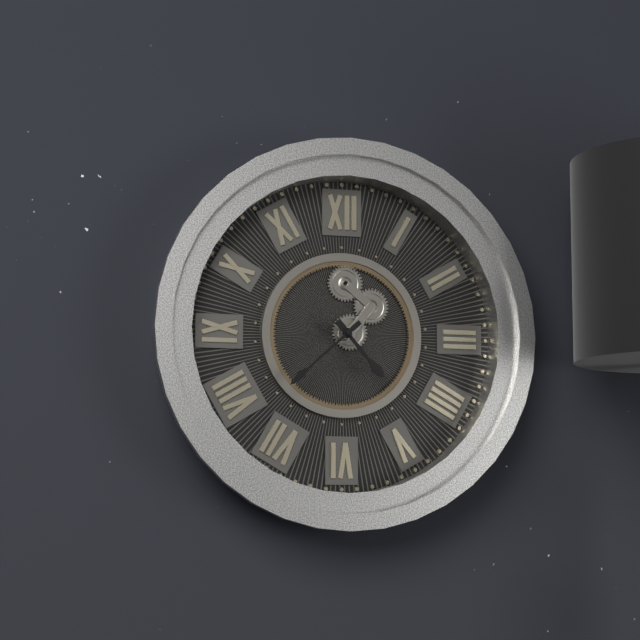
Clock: 4:38
